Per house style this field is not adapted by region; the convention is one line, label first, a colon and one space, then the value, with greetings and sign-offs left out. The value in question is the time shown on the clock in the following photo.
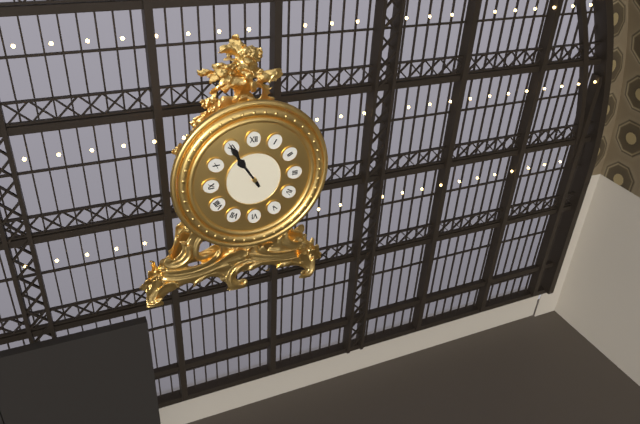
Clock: 10:55
